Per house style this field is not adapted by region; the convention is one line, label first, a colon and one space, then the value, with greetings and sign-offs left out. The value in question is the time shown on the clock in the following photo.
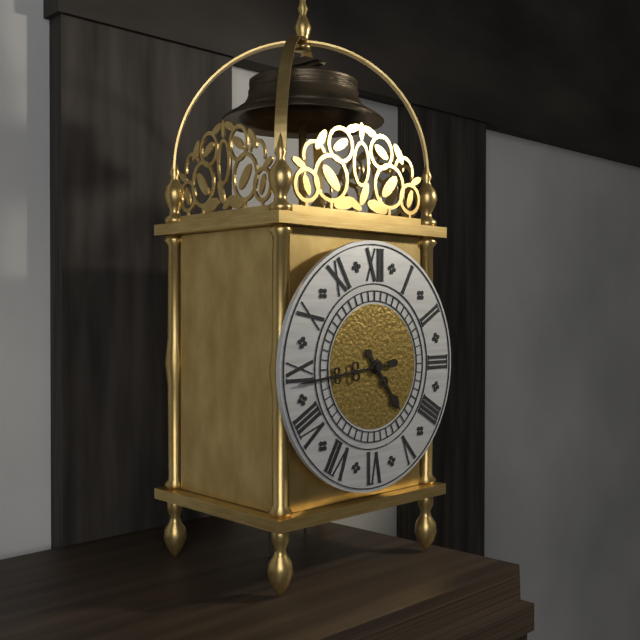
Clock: 4:44
